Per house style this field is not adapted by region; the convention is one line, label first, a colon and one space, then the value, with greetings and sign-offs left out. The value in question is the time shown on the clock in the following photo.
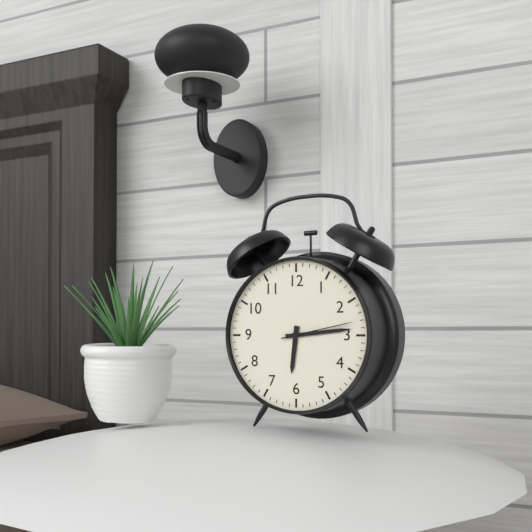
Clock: 6:14:13
